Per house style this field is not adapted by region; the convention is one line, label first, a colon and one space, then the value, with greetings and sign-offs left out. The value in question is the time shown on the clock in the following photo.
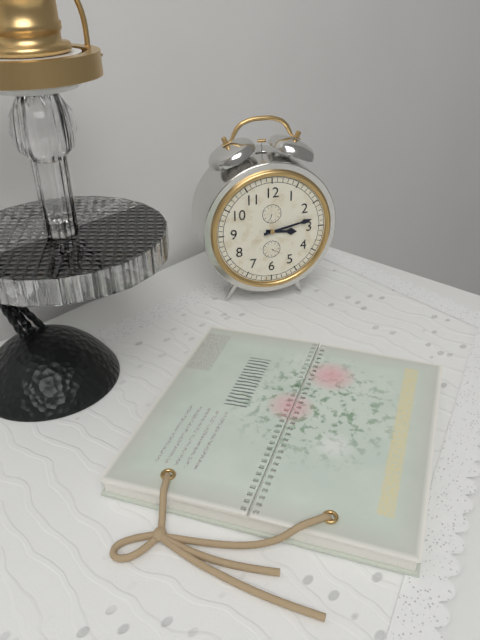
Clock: 3:13
